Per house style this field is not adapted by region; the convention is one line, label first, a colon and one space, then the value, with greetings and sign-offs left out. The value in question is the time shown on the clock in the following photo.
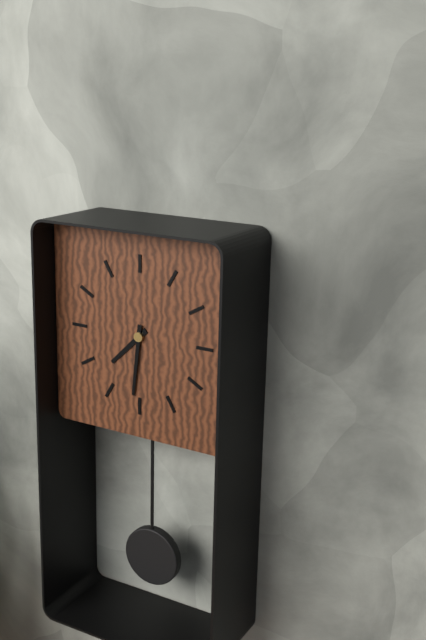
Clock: 7:31
